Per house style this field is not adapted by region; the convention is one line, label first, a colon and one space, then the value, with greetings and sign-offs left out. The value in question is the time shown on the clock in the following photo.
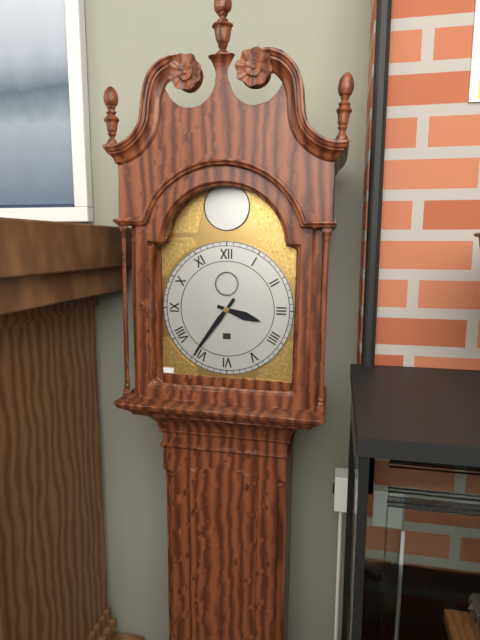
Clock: 3:36
